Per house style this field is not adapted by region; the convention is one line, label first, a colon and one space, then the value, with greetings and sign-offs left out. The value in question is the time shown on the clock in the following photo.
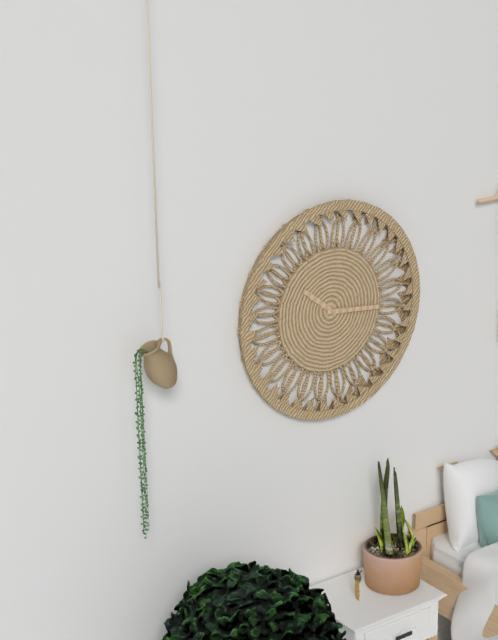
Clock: 10:16
